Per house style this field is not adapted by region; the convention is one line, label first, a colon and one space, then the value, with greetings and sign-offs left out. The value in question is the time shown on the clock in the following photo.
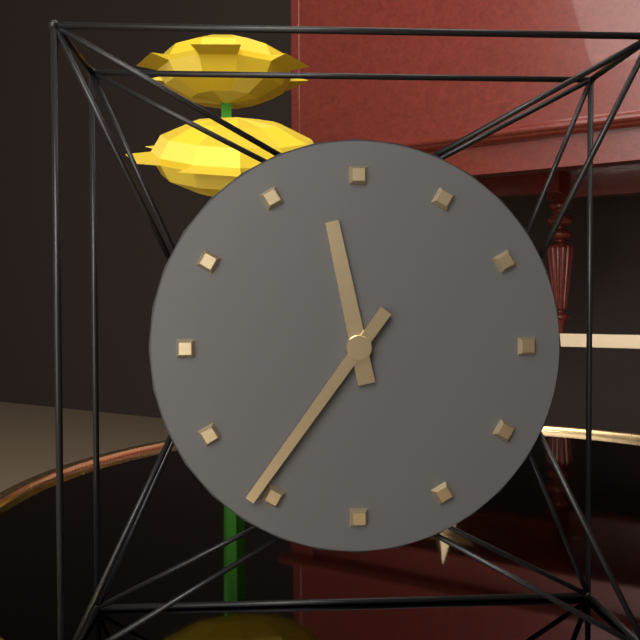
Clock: 11:36
